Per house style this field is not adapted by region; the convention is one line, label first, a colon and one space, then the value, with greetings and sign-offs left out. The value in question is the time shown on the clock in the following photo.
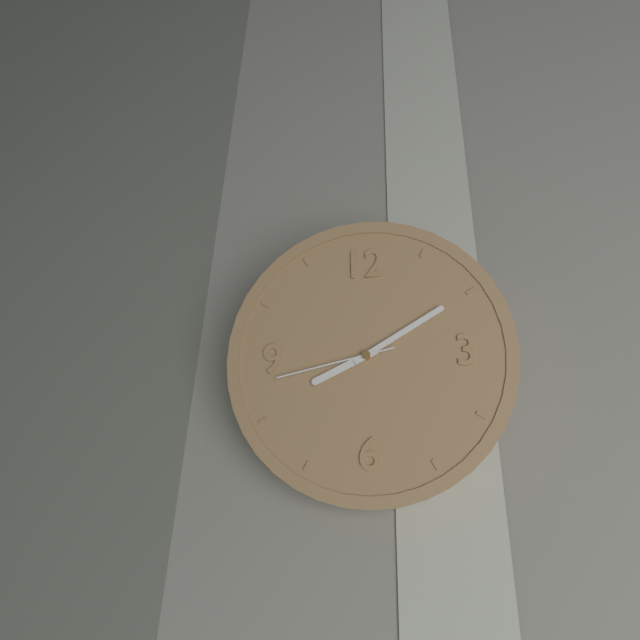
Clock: 8:10:43
